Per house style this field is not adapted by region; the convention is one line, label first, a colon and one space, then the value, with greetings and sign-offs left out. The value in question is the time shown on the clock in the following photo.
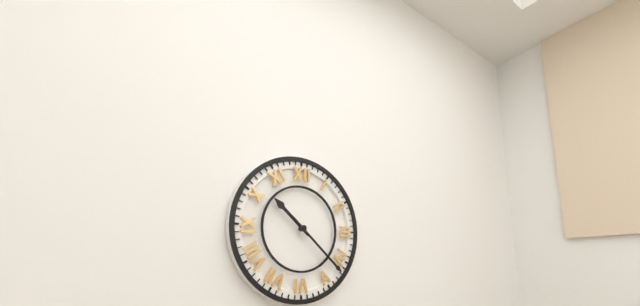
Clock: 10:22
